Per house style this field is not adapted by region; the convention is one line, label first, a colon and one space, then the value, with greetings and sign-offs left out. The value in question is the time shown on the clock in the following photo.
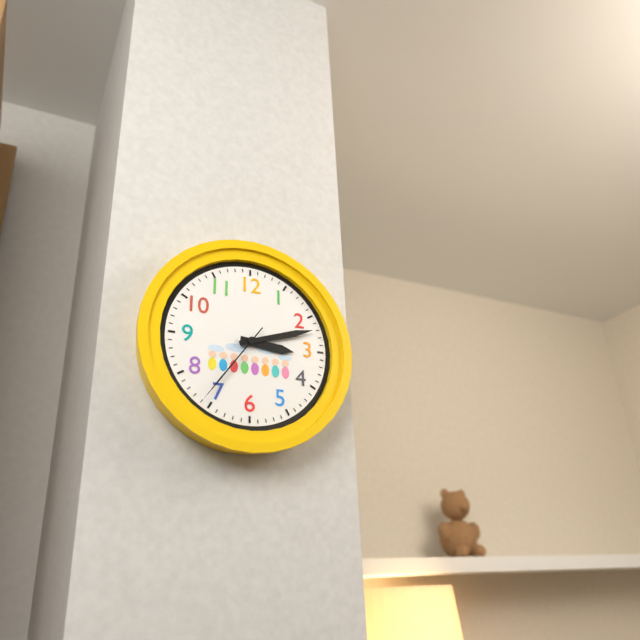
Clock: 3:12:36
